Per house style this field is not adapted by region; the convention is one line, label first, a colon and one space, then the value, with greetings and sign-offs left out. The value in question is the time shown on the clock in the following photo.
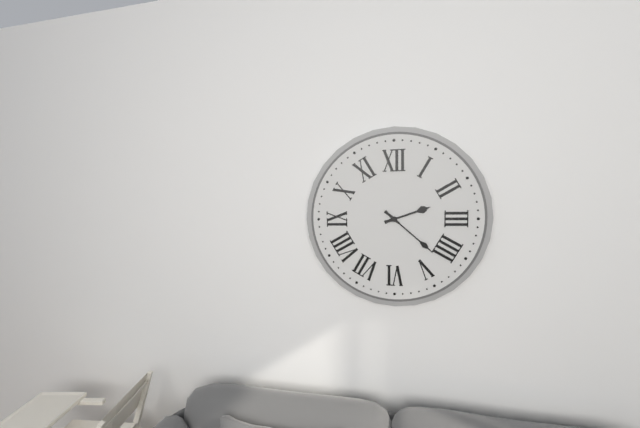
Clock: 2:22
